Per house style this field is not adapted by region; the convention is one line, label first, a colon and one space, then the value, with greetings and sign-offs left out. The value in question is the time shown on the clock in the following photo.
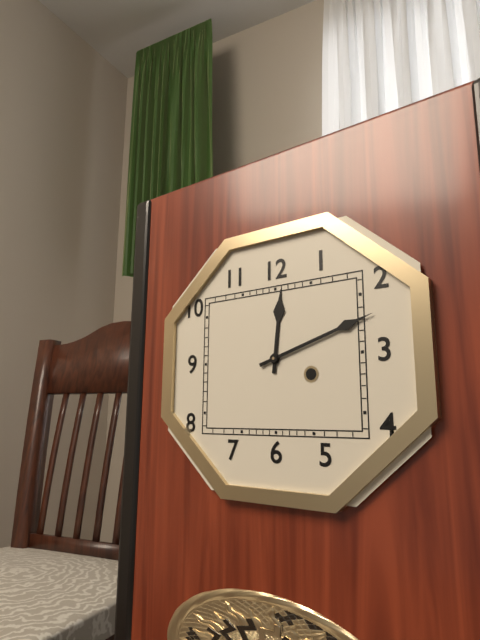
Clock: 12:12
